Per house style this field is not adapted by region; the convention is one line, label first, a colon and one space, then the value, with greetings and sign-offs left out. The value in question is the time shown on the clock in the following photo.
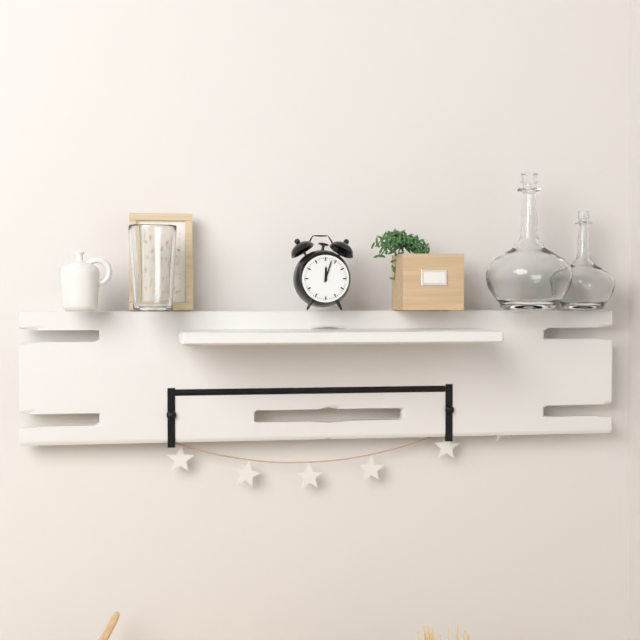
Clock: 12:03
